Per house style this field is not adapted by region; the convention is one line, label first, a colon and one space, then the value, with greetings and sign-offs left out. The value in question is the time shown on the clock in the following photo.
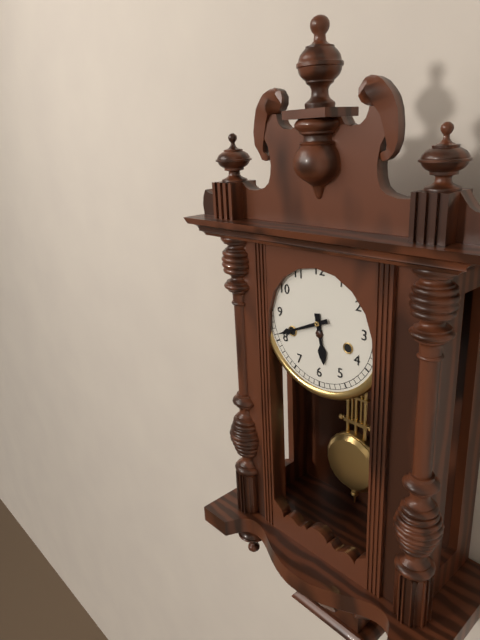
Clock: 5:41
